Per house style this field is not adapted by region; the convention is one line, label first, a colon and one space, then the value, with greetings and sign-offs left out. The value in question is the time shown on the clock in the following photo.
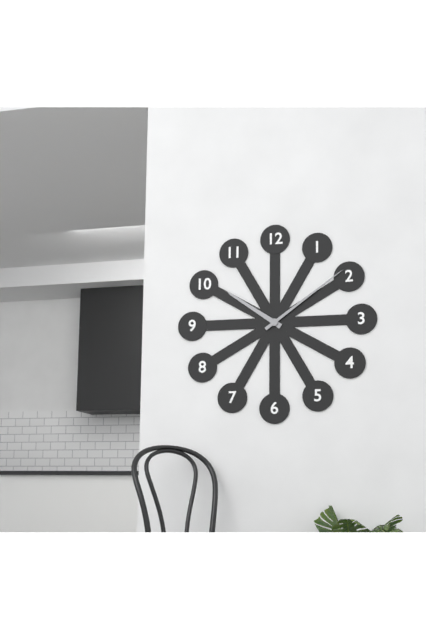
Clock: 10:09
